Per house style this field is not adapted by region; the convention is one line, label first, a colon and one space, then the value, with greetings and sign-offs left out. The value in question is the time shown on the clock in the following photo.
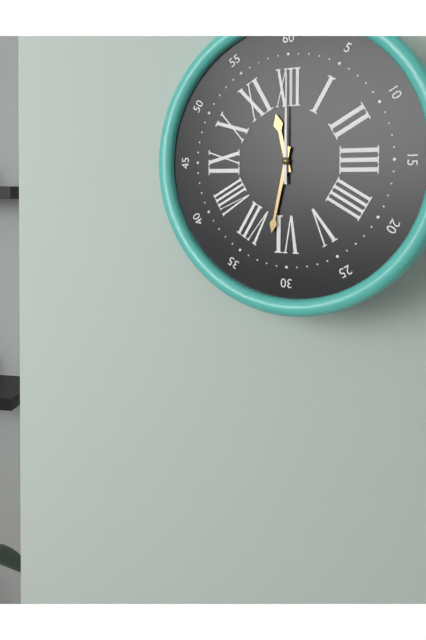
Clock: 11:32:00
